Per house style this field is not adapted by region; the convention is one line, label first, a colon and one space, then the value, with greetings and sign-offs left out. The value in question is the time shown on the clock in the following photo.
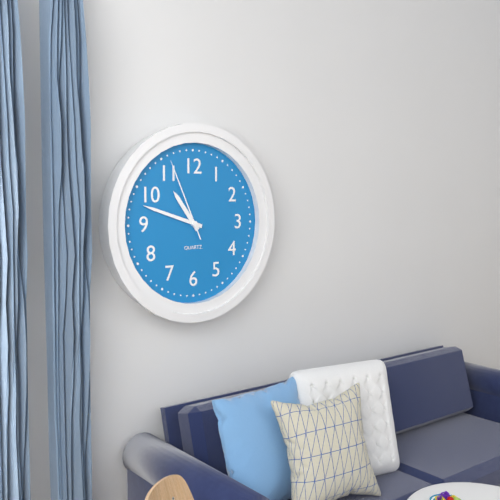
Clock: 10:48:56
